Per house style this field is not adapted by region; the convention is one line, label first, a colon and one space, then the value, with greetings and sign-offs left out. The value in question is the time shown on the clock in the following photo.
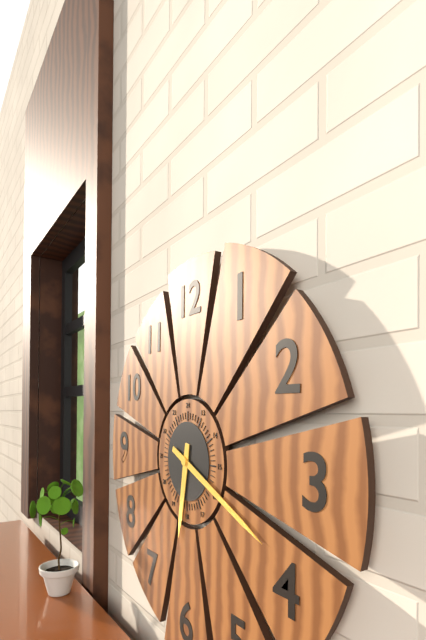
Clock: 6:19
